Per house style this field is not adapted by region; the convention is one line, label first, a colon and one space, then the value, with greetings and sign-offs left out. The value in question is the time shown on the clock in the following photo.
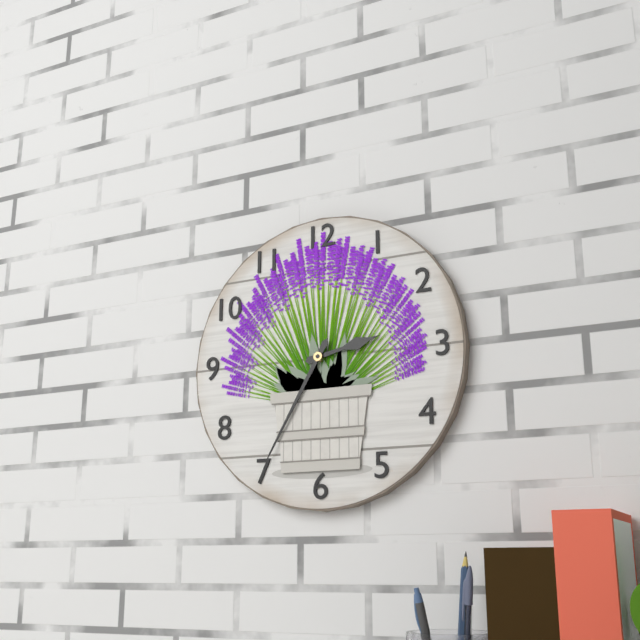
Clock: 2:35
